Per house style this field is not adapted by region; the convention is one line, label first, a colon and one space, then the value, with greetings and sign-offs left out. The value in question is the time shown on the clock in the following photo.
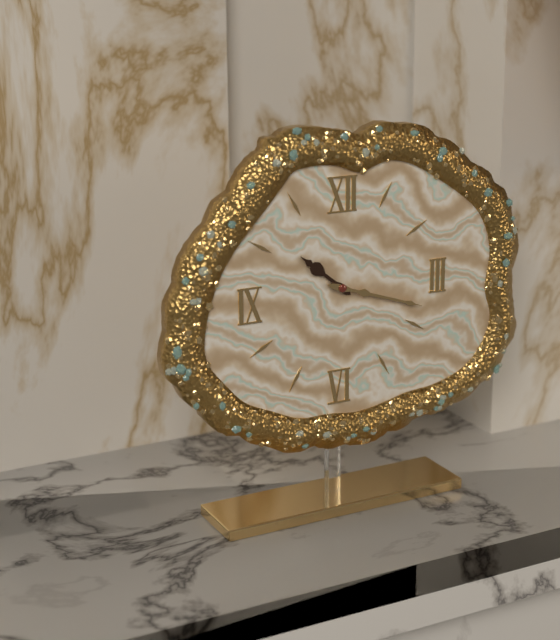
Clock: 10:18
